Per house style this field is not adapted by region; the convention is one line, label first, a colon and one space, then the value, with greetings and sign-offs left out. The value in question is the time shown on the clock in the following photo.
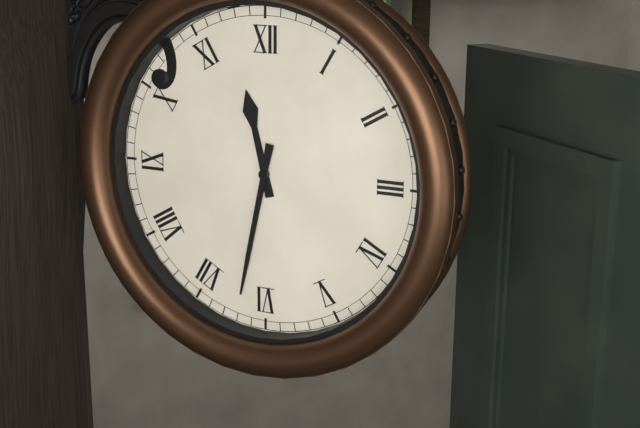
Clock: 11:32
